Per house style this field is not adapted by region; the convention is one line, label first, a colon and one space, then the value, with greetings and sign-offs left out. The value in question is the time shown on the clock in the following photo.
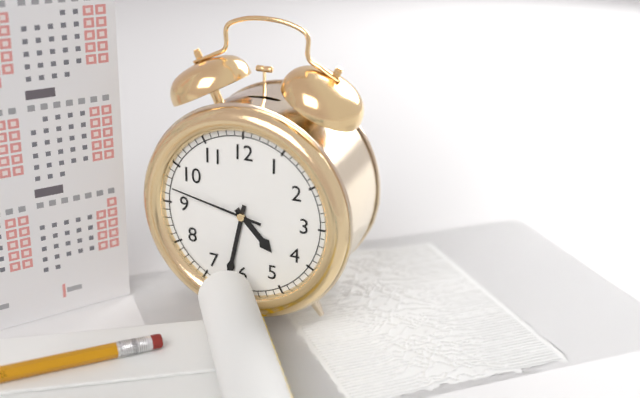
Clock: 4:32:47
